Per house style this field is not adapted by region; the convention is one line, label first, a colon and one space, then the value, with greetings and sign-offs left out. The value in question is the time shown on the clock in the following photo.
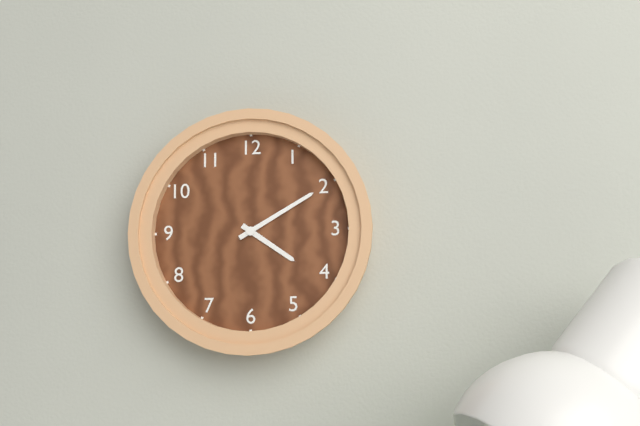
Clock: 4:10
